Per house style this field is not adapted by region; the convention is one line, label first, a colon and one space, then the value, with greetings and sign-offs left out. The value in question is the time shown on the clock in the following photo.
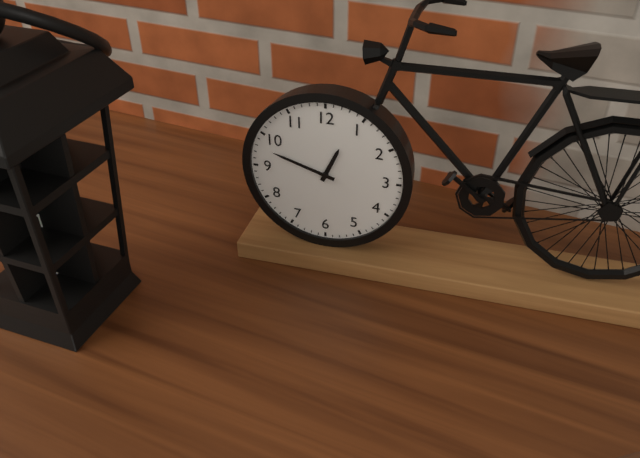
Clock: 12:48
